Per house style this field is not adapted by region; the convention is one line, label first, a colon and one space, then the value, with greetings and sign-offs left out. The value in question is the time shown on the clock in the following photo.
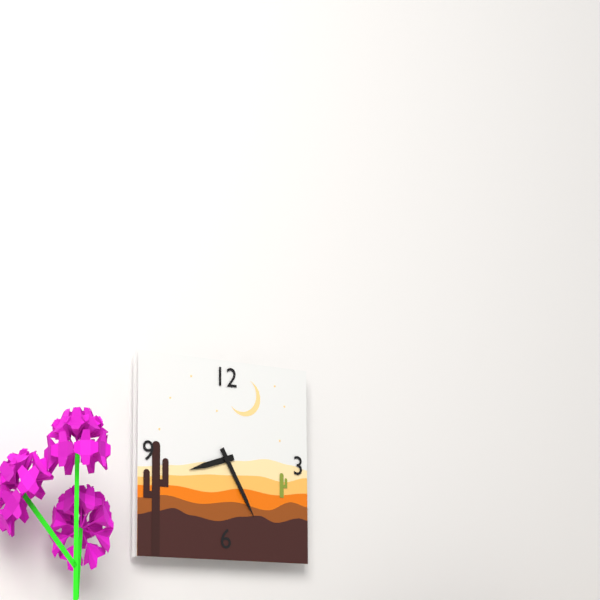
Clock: 8:25
